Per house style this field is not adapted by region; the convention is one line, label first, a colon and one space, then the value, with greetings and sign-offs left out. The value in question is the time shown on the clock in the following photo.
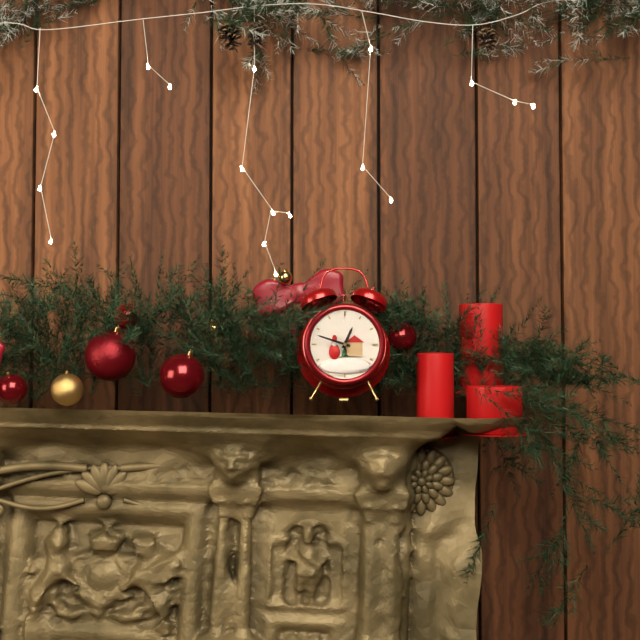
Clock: 12:48
